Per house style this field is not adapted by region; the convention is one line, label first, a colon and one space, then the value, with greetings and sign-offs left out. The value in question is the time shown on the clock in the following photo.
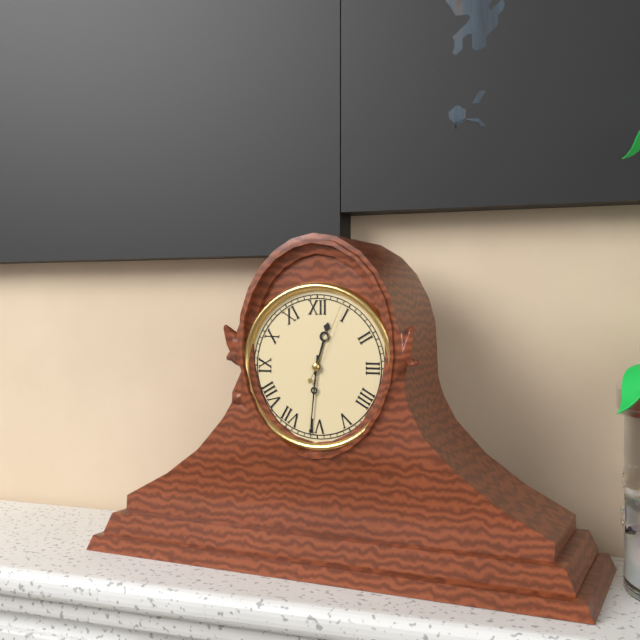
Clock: 12:31:04
